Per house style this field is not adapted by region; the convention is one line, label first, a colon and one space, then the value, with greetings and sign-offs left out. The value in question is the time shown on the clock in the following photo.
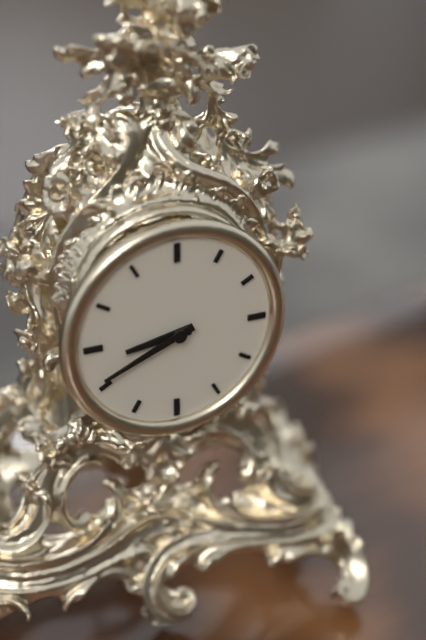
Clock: 8:41
